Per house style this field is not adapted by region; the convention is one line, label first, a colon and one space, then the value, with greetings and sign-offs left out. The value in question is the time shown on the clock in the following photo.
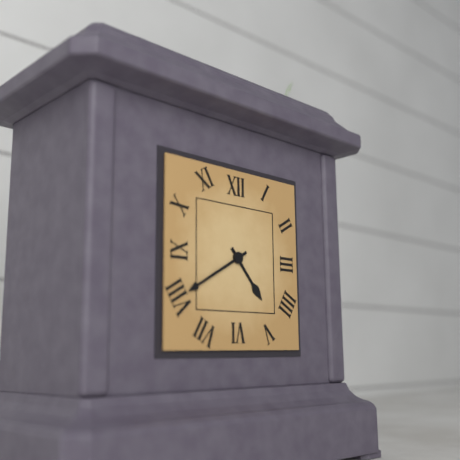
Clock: 4:40
